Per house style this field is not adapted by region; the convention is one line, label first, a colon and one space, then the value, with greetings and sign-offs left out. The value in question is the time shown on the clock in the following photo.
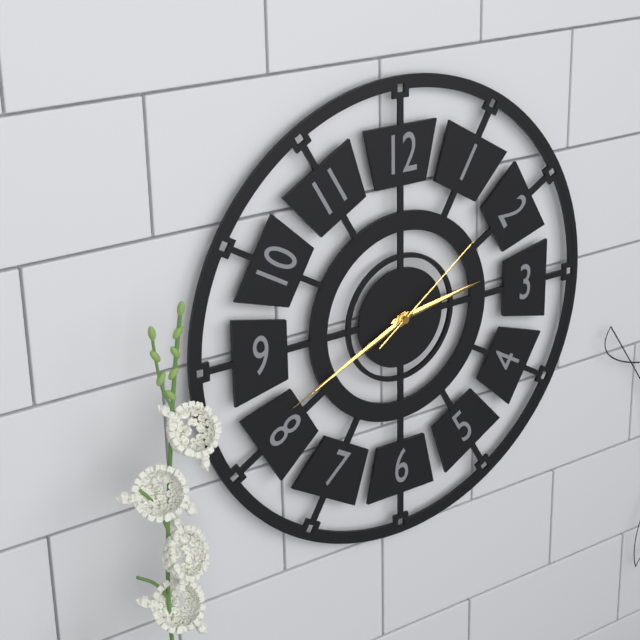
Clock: 2:41:09
